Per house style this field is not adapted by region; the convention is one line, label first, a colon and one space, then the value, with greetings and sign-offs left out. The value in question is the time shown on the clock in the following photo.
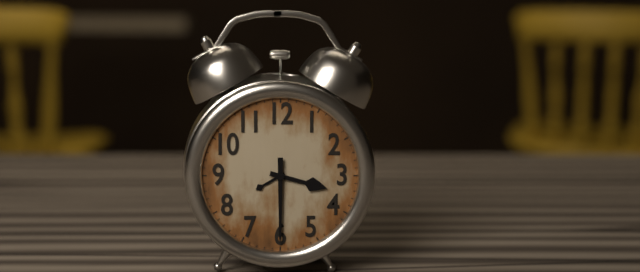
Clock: 3:30
